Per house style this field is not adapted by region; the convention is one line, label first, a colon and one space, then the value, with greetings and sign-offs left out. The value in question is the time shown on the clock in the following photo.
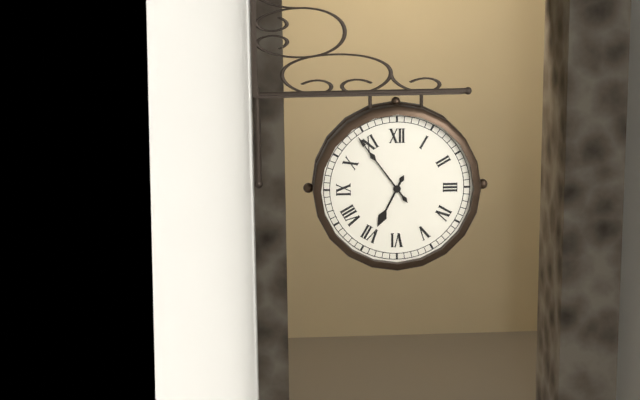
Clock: 6:54
